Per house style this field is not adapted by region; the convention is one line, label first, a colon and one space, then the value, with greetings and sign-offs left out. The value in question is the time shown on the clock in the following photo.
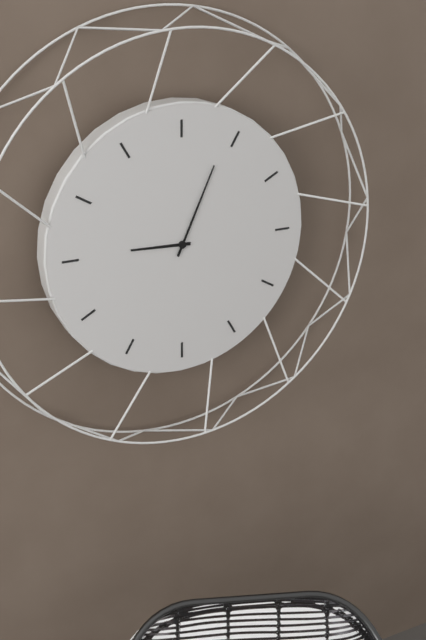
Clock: 9:04
